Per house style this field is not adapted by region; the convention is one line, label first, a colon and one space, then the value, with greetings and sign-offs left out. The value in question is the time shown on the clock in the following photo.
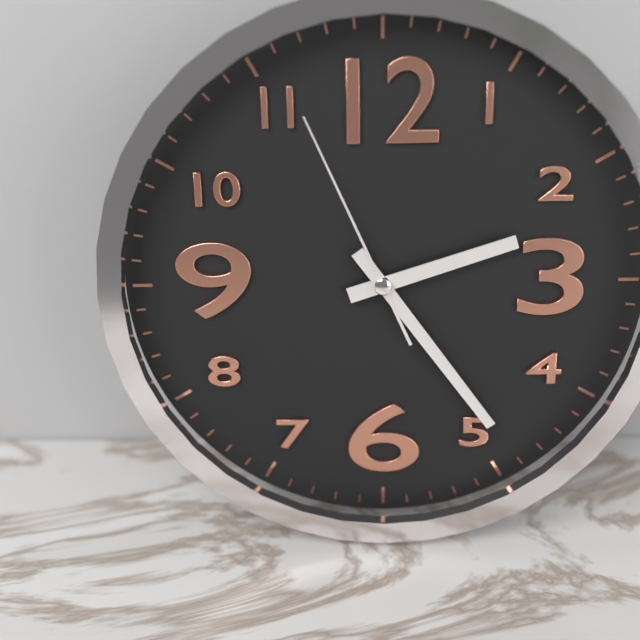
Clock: 2:24:56
